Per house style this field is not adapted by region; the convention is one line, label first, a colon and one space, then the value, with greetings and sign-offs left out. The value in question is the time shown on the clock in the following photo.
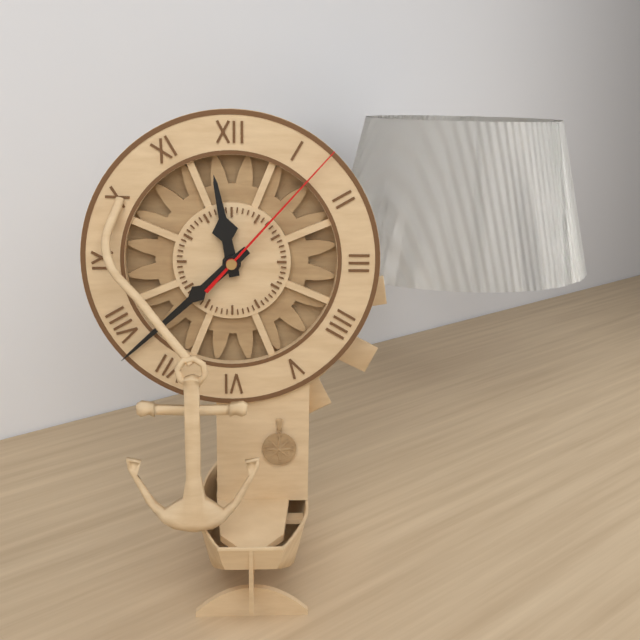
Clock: 11:38:07
